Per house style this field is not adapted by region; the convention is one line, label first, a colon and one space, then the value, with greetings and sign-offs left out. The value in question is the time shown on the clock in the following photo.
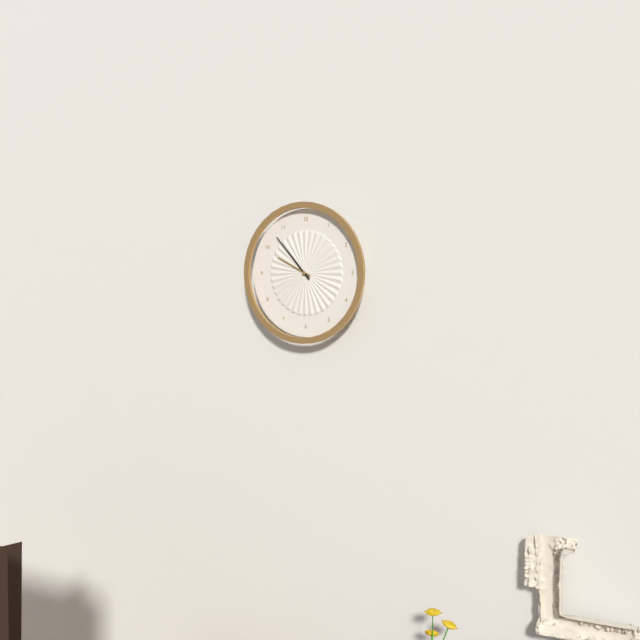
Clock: 9:53
